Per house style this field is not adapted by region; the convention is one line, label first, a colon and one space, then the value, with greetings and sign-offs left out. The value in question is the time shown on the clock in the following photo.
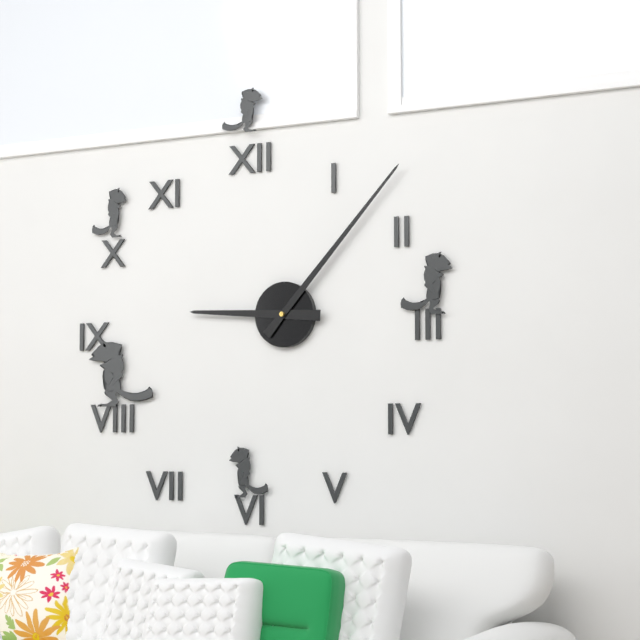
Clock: 9:07
